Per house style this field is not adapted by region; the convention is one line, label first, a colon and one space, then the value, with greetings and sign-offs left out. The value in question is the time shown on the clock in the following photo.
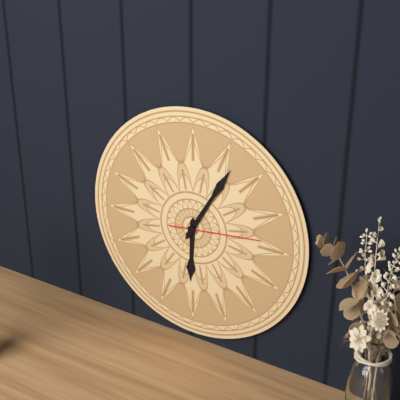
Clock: 6:05:14
